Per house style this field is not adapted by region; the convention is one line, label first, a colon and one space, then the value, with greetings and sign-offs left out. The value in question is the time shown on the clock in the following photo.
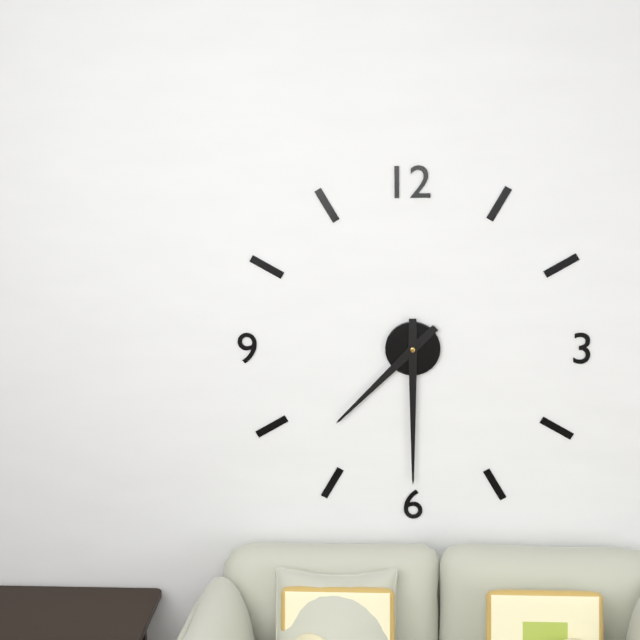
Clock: 7:30
